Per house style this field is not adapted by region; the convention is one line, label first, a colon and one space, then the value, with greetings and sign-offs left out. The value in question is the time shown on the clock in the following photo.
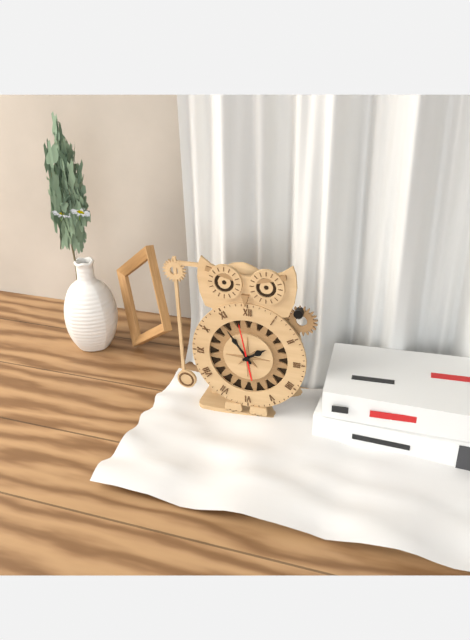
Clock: 1:54
